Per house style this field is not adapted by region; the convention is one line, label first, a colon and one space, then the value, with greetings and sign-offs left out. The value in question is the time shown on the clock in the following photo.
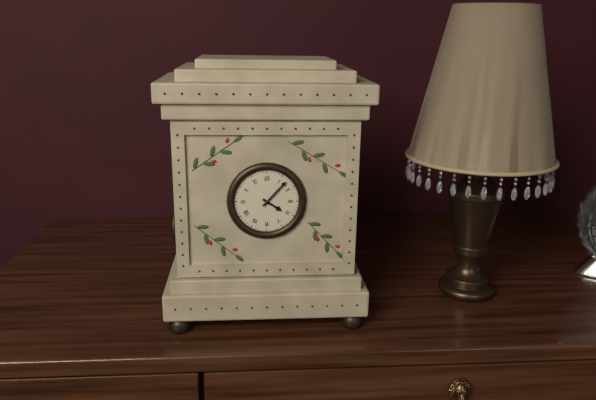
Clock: 4:07
